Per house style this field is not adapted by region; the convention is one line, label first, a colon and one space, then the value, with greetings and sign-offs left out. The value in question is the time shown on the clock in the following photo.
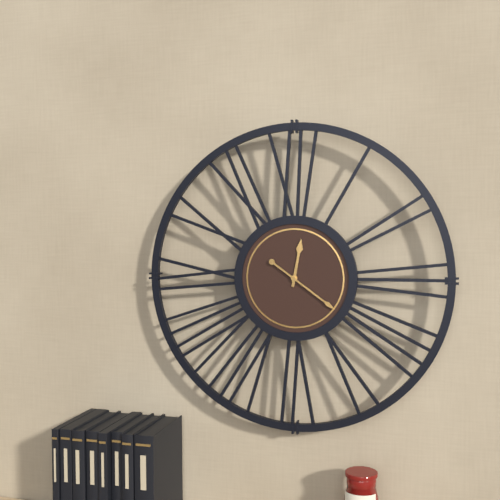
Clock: 12:21
